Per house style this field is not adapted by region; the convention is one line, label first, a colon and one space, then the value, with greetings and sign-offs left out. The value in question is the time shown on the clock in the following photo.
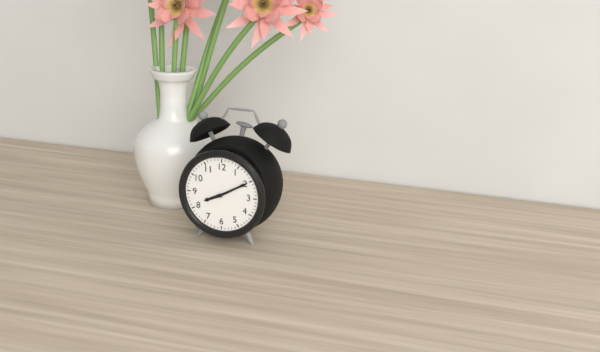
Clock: 8:10
